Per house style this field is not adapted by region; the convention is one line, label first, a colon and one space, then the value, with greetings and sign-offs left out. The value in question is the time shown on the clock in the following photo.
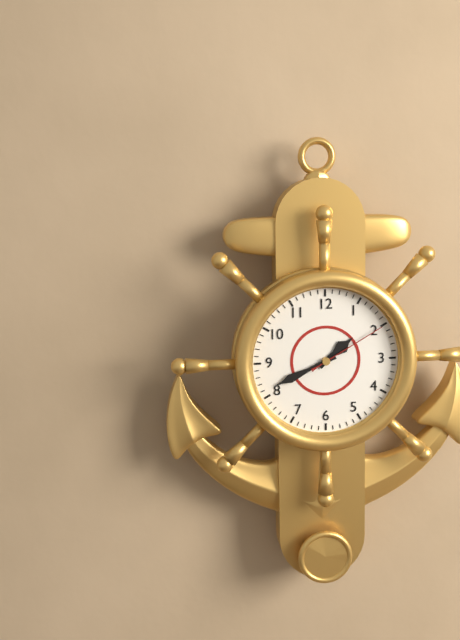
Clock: 1:41:10
